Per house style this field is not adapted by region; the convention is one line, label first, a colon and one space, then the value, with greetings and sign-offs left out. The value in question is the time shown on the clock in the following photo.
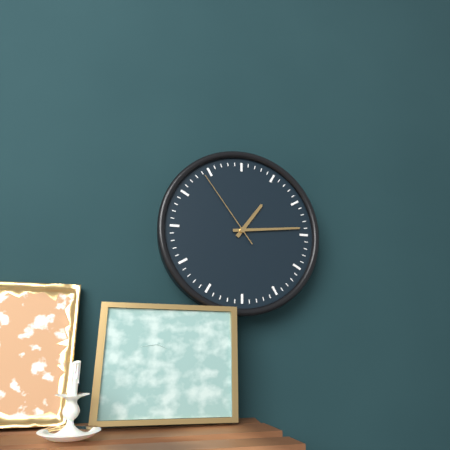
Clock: 1:14:54
